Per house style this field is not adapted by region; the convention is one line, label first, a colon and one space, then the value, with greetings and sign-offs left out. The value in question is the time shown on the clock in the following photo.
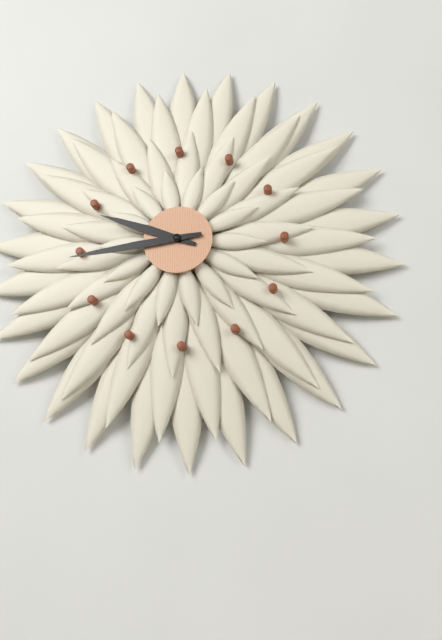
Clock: 9:44
